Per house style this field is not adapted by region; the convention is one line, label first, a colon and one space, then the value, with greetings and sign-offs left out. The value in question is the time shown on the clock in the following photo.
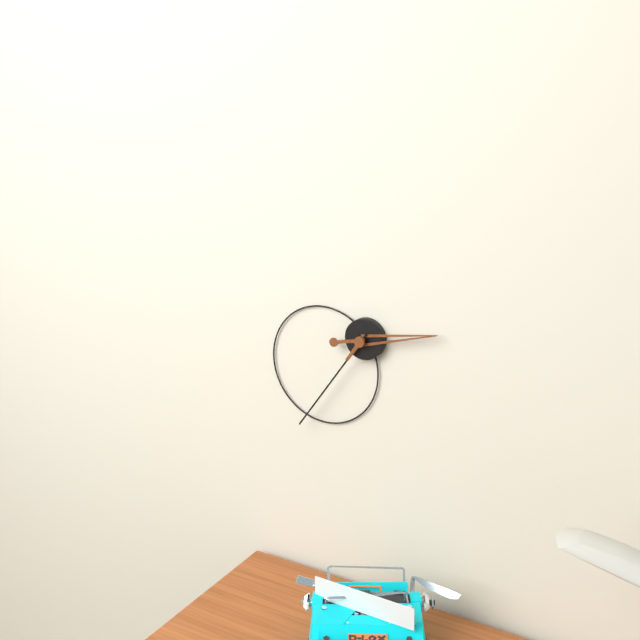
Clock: 2:36
